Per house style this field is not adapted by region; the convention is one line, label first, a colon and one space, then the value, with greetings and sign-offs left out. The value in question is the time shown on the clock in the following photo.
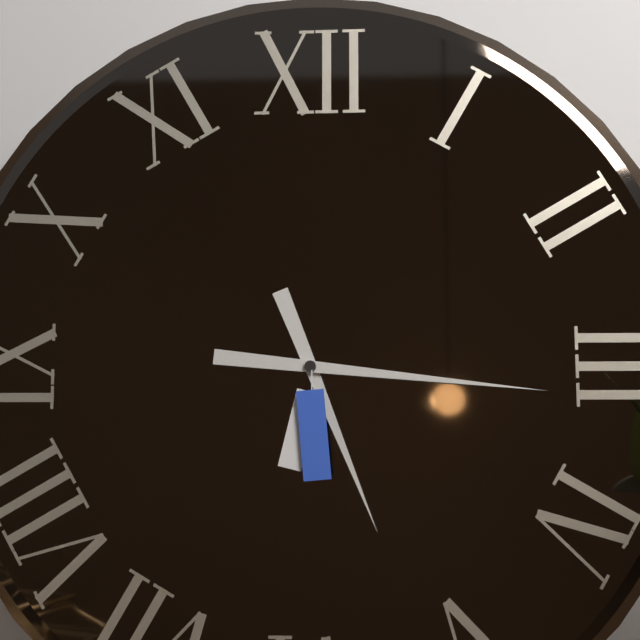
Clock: 5:16
